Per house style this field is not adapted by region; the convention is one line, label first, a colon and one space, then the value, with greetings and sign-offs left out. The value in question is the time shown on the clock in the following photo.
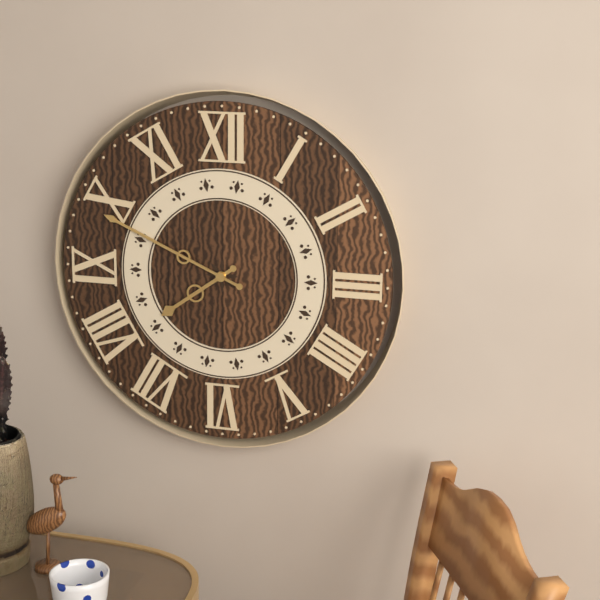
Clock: 7:49
